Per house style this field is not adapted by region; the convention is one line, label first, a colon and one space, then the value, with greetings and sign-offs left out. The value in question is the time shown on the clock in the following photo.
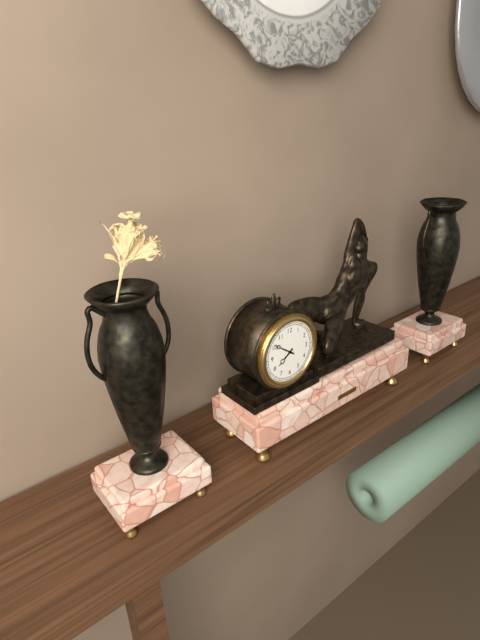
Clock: 7:51
